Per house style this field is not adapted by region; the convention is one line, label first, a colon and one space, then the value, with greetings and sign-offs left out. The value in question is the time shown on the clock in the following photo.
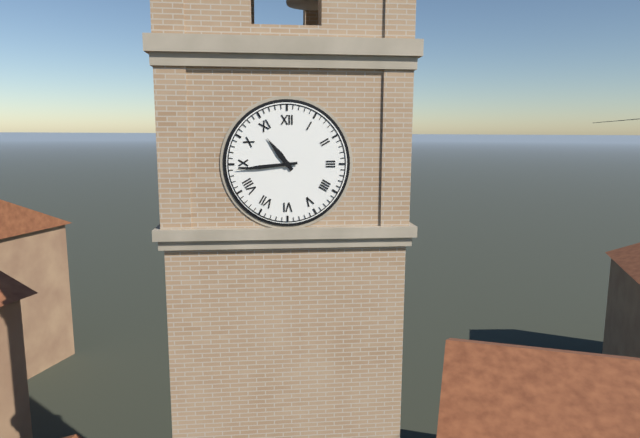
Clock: 10:44
